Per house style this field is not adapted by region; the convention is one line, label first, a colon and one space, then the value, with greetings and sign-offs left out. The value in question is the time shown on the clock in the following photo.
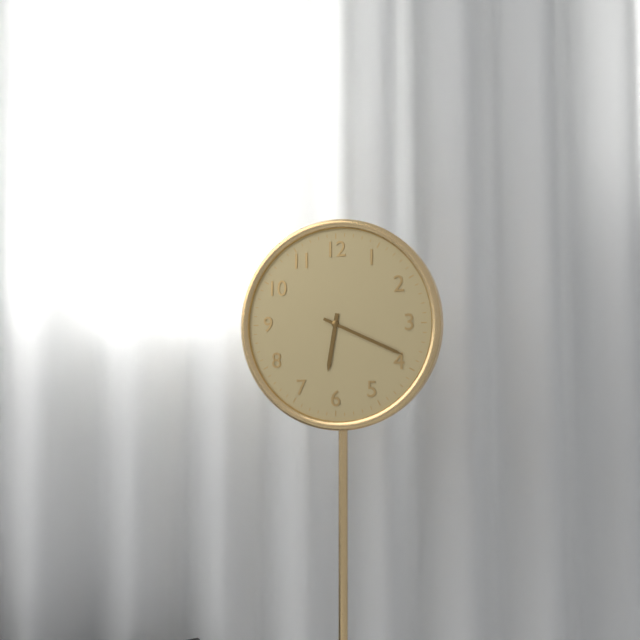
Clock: 6:19
